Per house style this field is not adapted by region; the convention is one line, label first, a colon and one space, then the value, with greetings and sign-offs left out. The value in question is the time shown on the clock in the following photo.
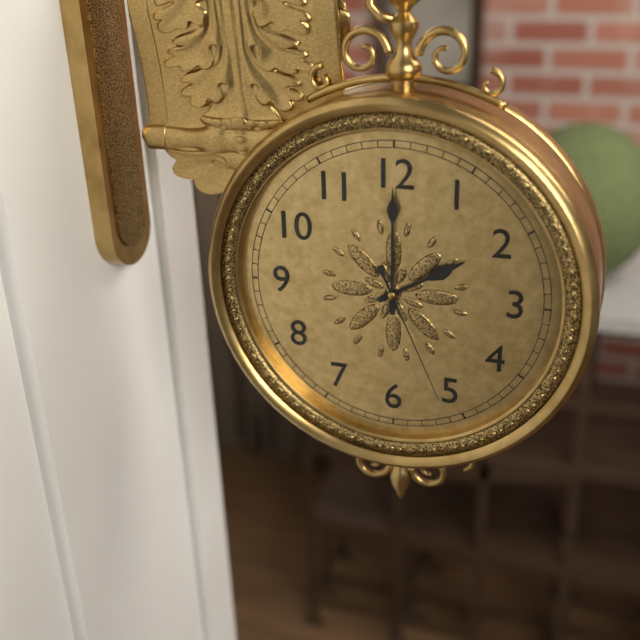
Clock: 2:00:26
